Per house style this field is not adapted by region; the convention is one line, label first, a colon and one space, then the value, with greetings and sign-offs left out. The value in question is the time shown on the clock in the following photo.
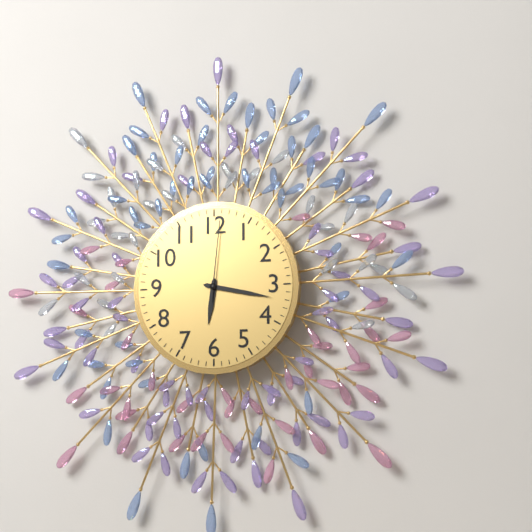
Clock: 6:17:01
